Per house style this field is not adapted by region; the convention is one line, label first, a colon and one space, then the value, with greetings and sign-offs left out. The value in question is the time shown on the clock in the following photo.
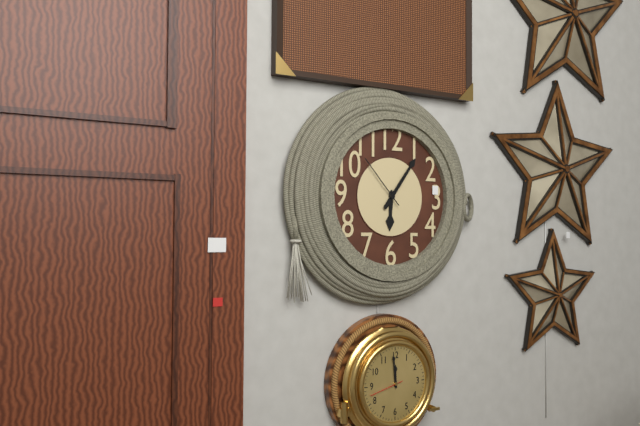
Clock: 6:06:53
